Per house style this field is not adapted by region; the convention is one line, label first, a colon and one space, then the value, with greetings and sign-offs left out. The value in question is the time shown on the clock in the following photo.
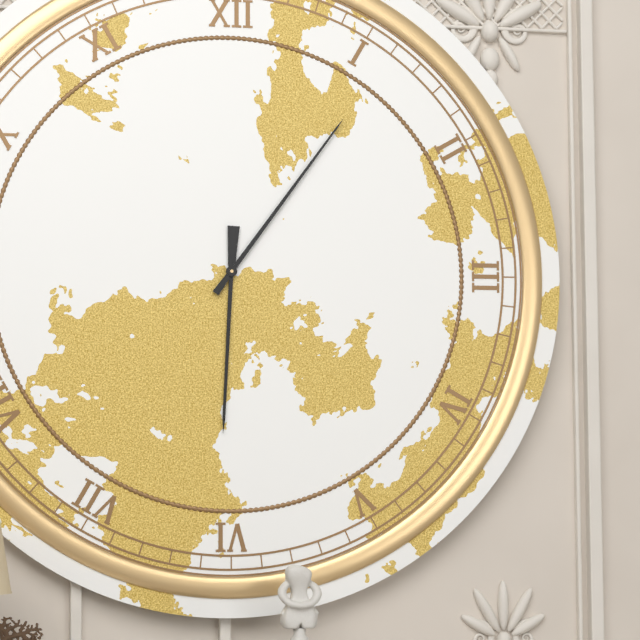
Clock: 6:06
